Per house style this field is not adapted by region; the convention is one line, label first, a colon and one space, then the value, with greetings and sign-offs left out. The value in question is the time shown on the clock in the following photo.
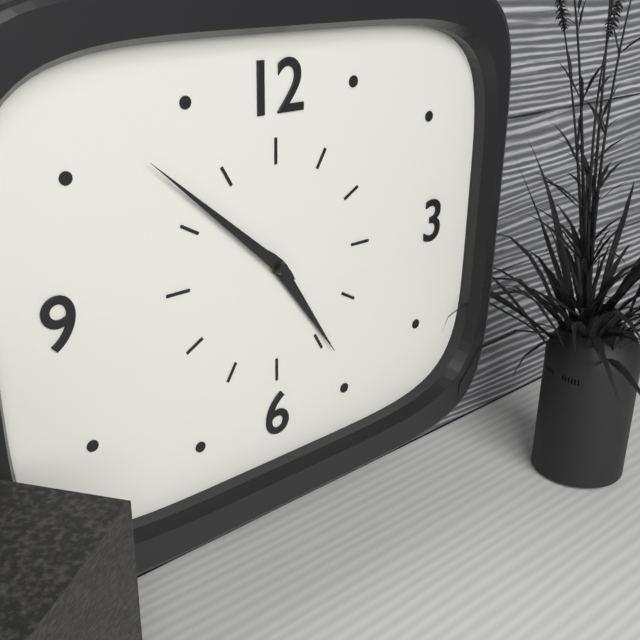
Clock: 4:52
